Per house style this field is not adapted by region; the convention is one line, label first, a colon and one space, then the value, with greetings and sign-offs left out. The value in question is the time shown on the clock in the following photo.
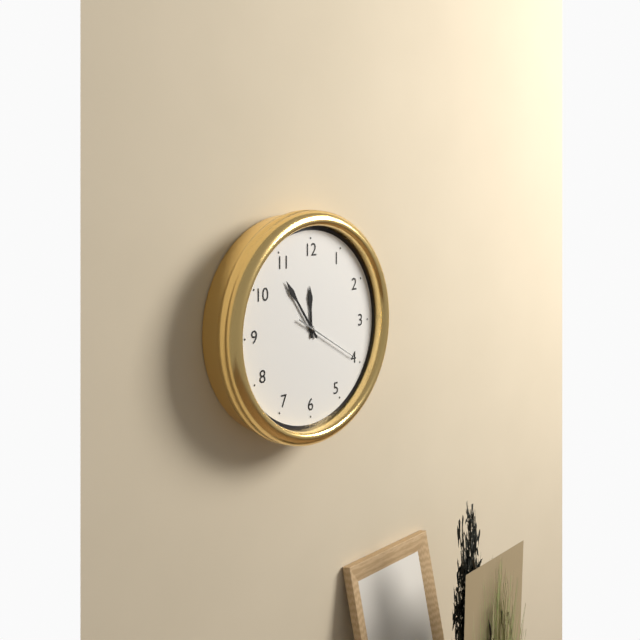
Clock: 11:54:20
